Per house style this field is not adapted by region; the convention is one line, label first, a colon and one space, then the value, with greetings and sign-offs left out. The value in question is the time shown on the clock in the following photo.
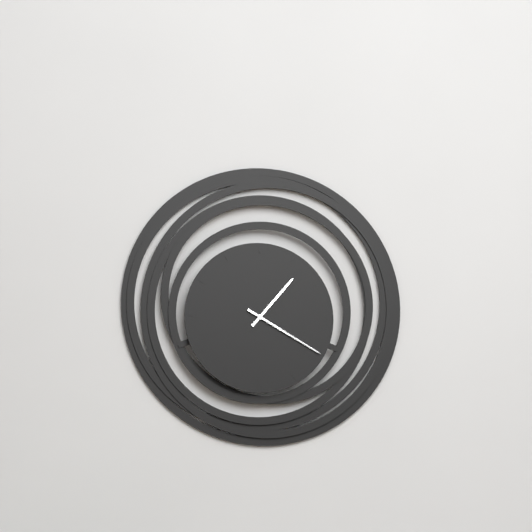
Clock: 1:20
